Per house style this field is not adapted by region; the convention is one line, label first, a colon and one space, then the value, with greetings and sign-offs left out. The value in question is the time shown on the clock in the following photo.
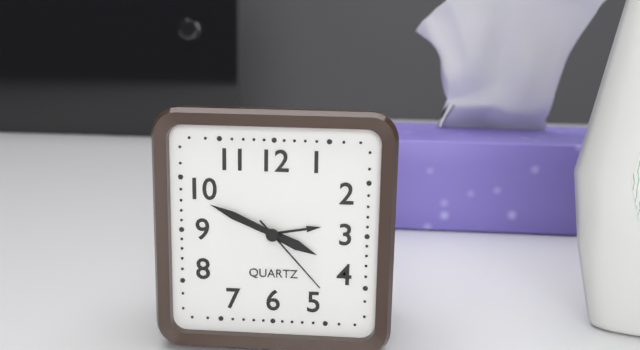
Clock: 3:49:23
